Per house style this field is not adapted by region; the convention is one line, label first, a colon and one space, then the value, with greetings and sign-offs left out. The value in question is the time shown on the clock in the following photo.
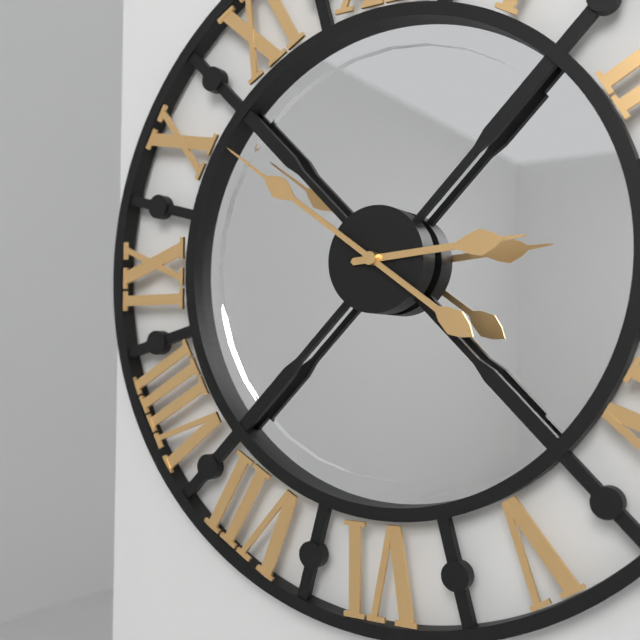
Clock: 2:51
